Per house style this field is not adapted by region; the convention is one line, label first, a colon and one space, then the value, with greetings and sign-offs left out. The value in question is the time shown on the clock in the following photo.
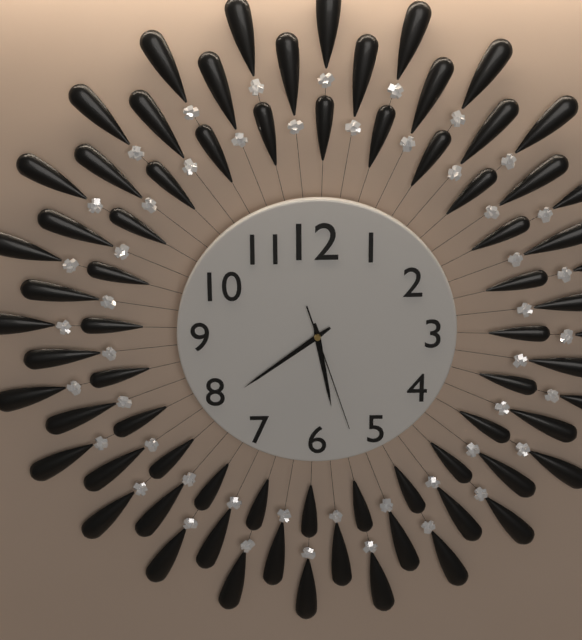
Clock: 5:39:27
